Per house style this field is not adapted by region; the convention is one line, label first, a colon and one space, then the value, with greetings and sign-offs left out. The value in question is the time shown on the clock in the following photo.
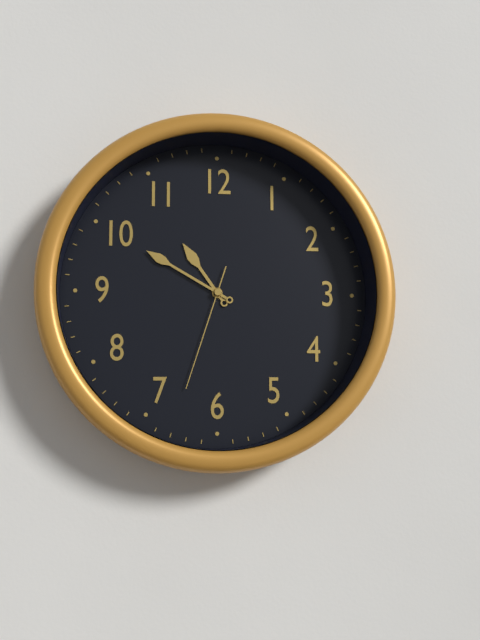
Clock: 10:50:33
